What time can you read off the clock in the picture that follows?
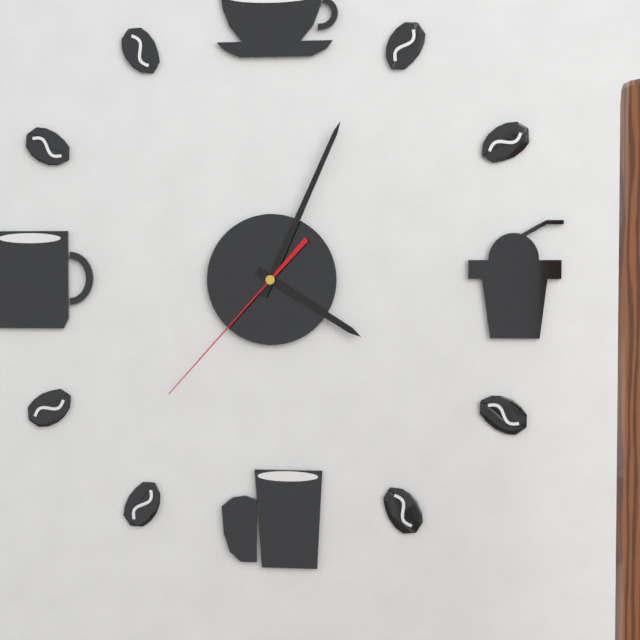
4:04:37
